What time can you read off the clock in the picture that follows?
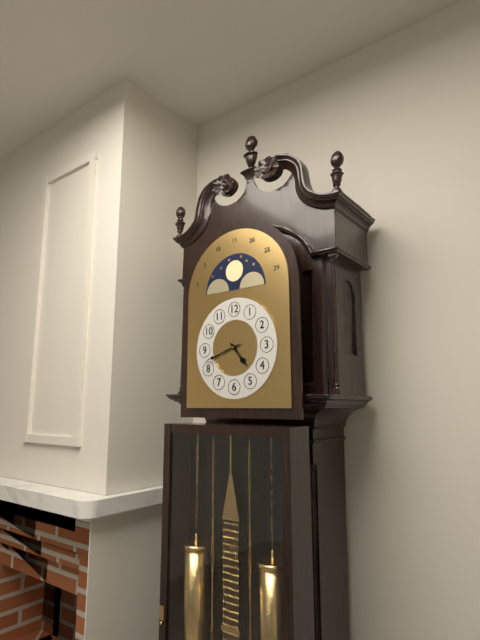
4:42
